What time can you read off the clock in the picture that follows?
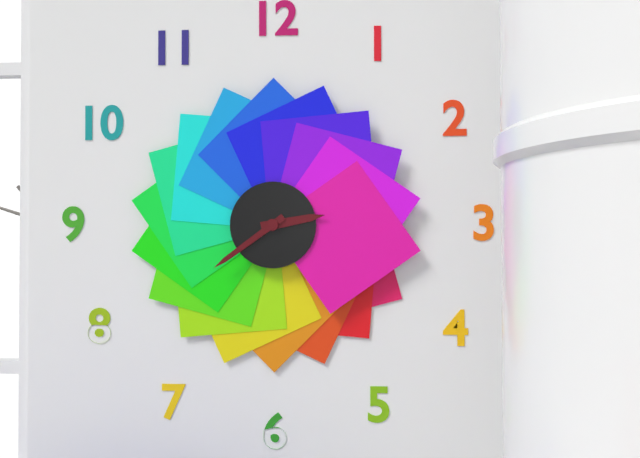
2:39
